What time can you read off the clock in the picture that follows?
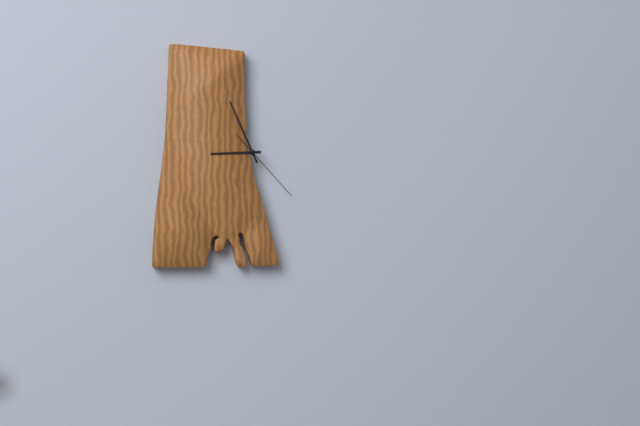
8:56:23
